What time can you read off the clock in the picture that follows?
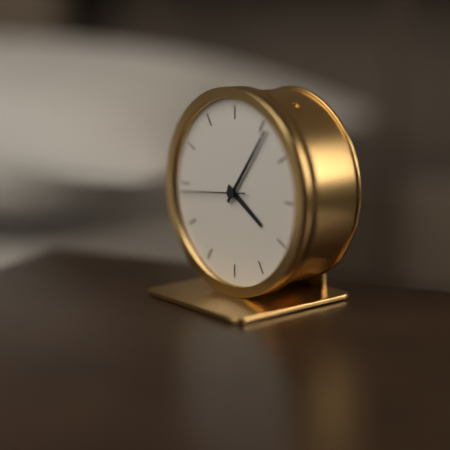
4:06:44
